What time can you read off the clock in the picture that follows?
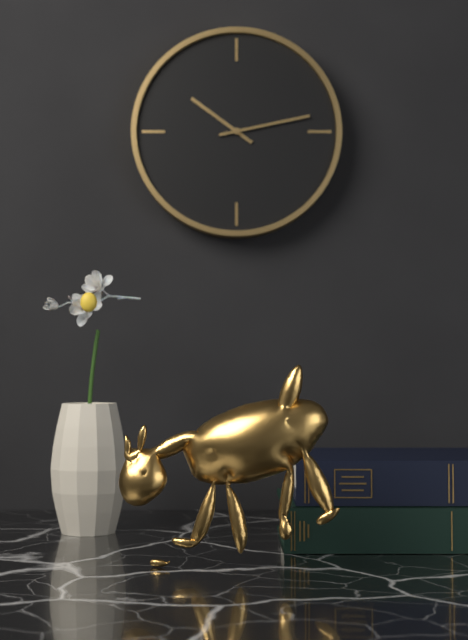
10:13
